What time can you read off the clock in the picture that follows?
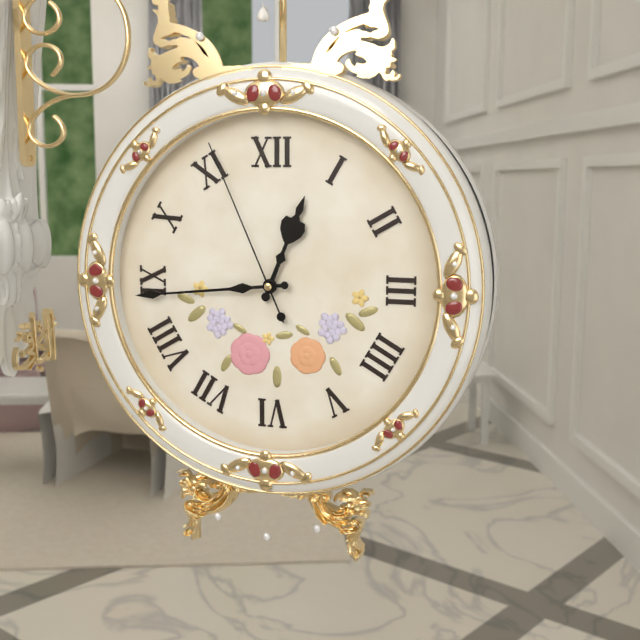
12:44:56
